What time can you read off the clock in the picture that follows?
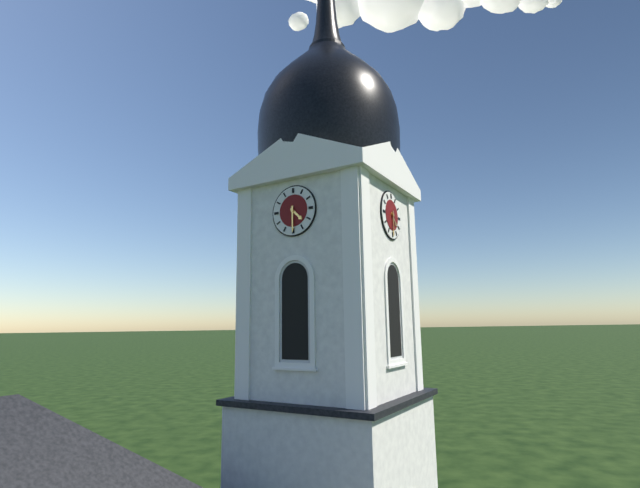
4:30
